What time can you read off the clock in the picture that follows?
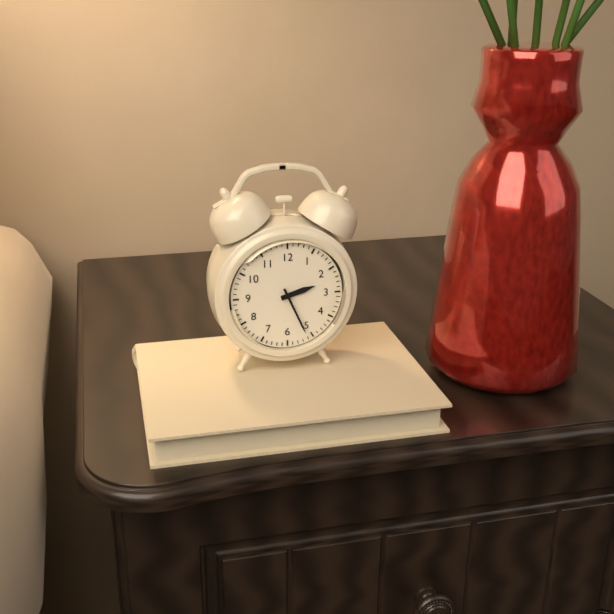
2:26
